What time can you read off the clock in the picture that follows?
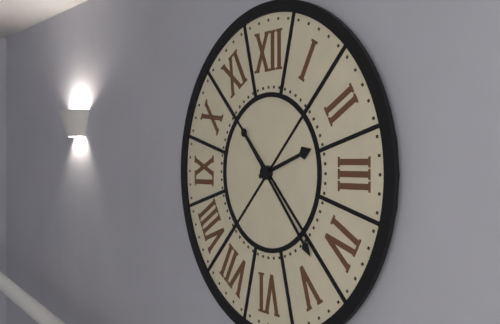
2:23
